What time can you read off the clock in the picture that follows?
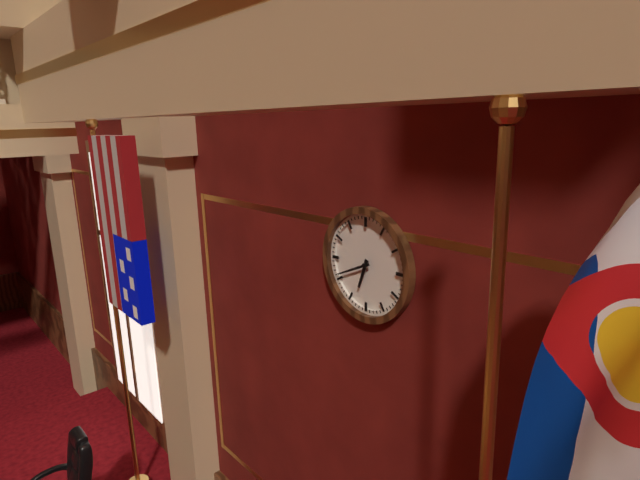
6:41
